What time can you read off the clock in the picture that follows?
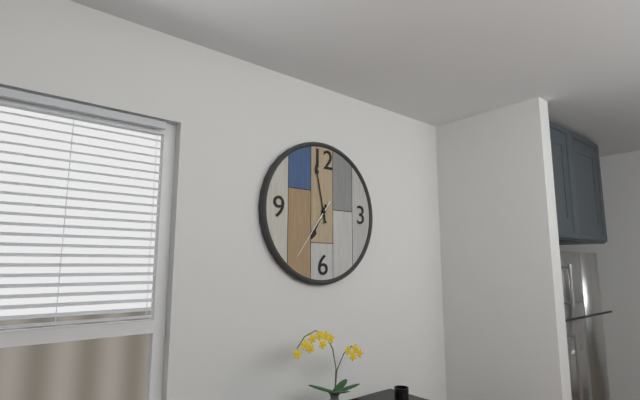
6:58:36
